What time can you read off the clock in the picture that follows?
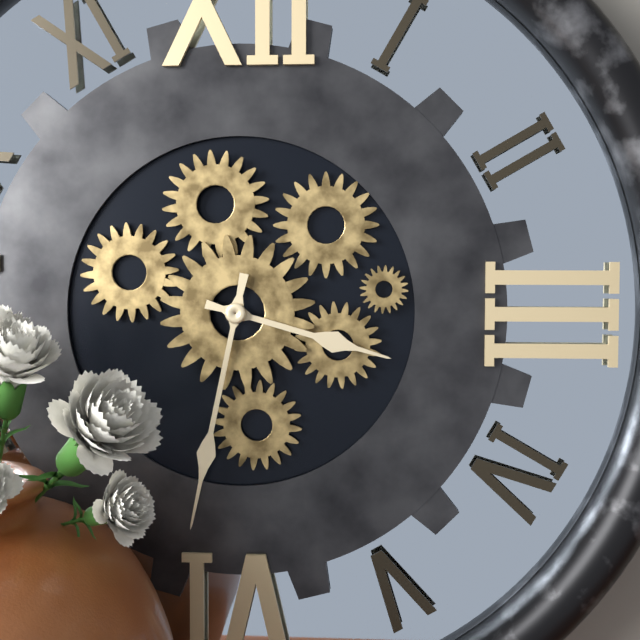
3:32
